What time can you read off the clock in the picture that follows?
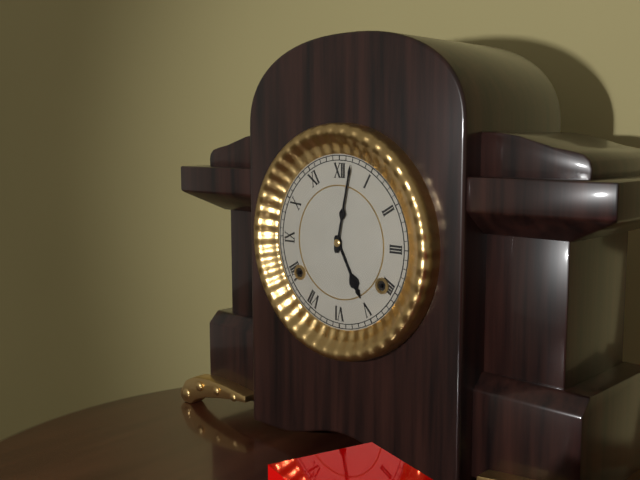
5:02
